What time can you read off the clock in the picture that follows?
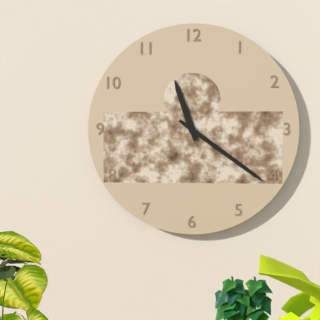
11:21
